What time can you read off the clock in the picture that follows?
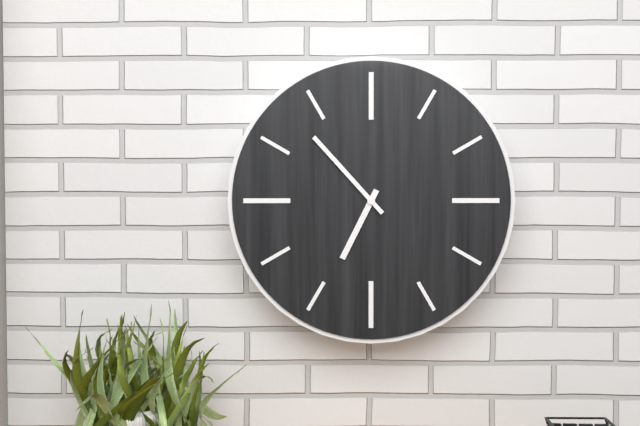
6:53
